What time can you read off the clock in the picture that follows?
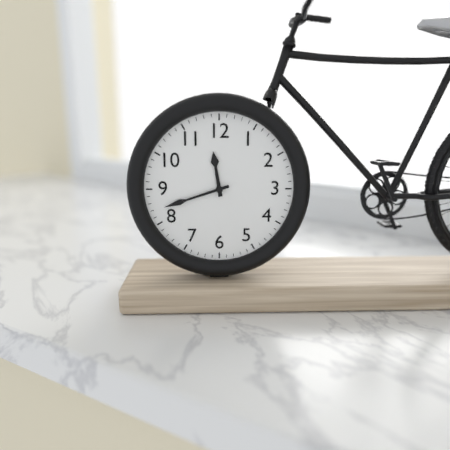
11:42
